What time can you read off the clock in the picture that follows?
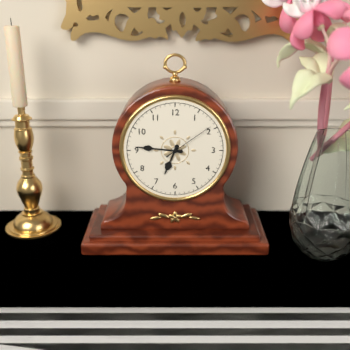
6:46:09
